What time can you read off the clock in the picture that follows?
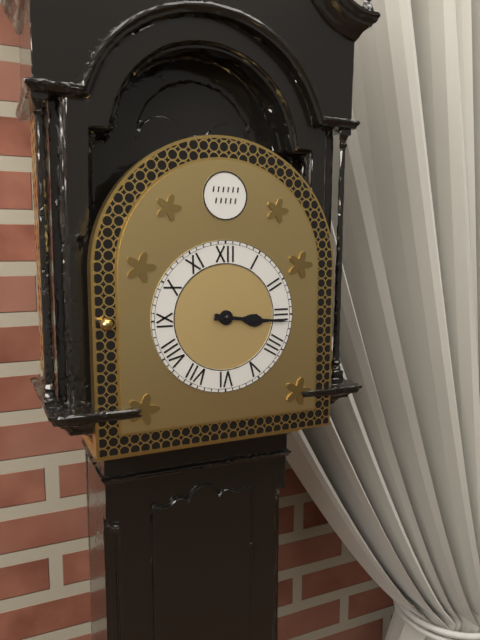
3:16
